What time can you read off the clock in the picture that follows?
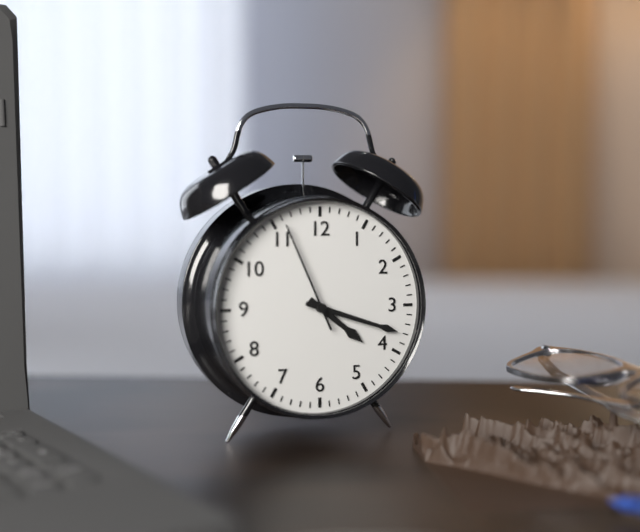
4:18:56
